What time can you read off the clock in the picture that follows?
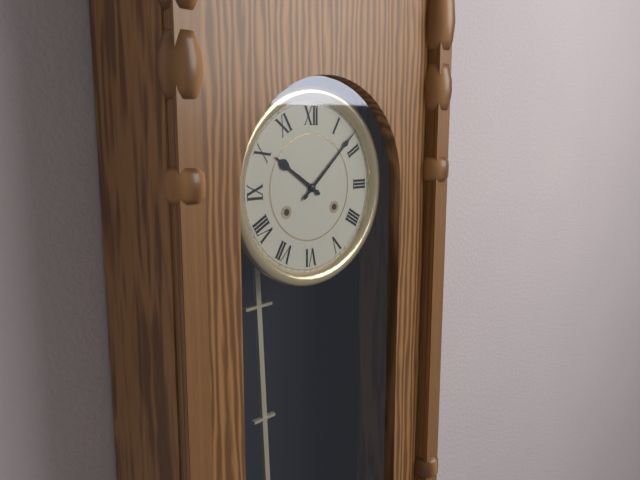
10:08
